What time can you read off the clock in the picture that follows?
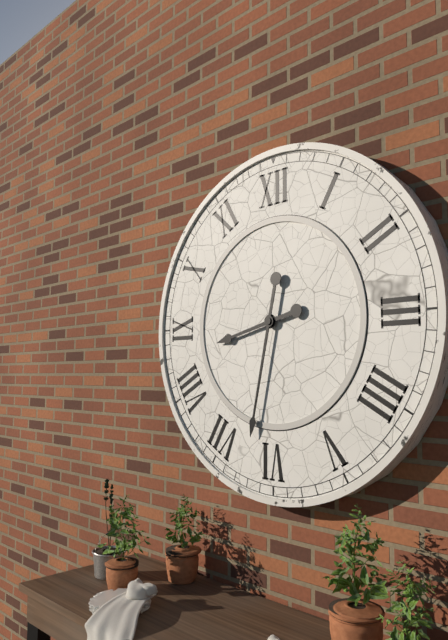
8:32
